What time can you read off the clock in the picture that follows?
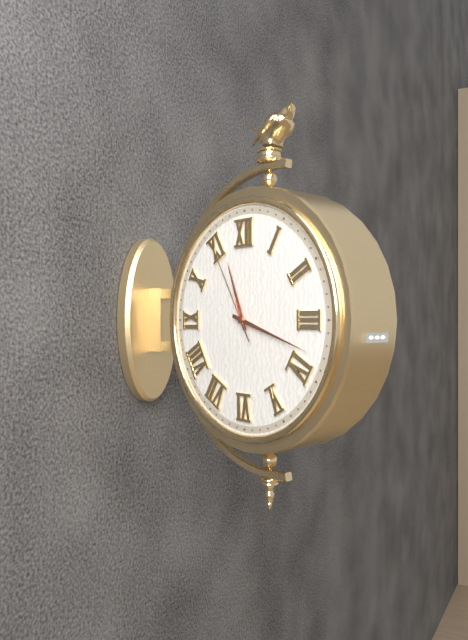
11:18:55
